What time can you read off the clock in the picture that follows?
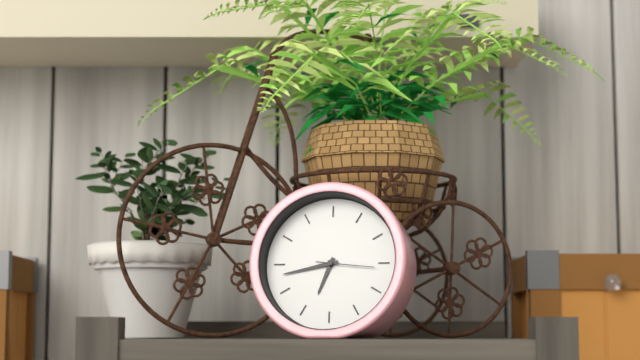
6:43:16
